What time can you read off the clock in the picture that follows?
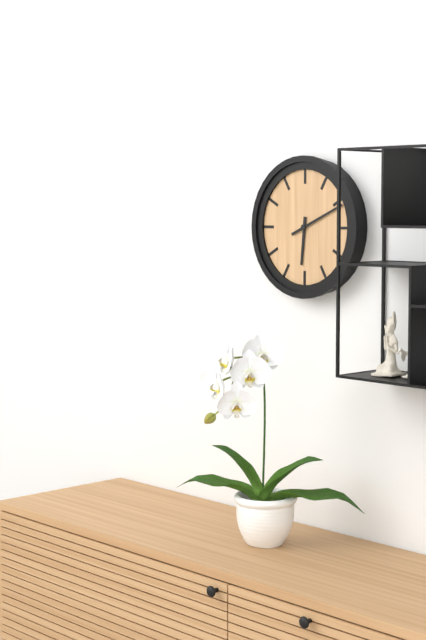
6:11
